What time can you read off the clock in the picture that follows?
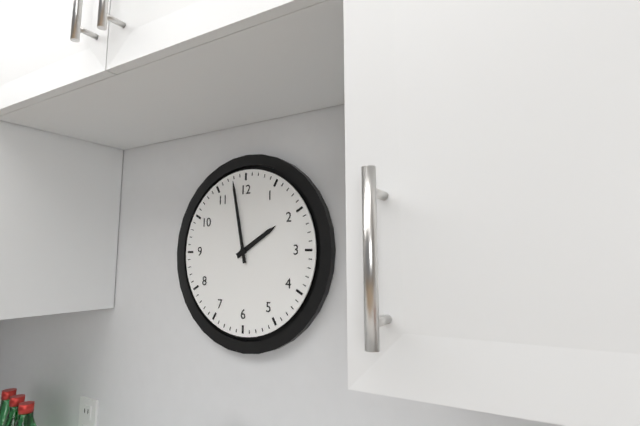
1:58
